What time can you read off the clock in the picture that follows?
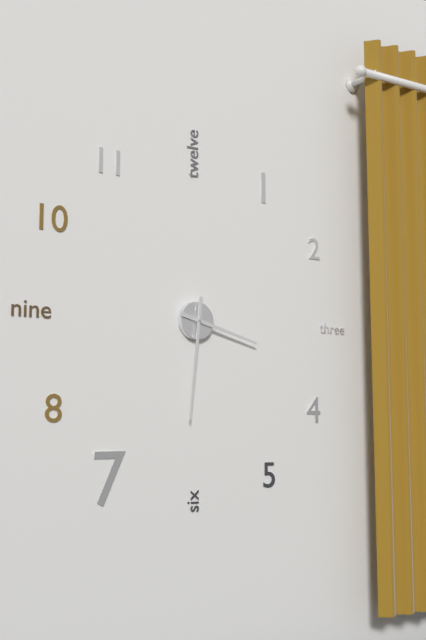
3:31
